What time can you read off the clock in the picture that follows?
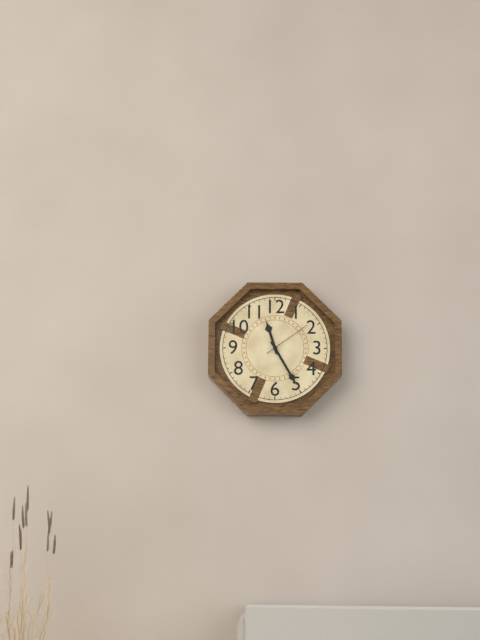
11:25:09
